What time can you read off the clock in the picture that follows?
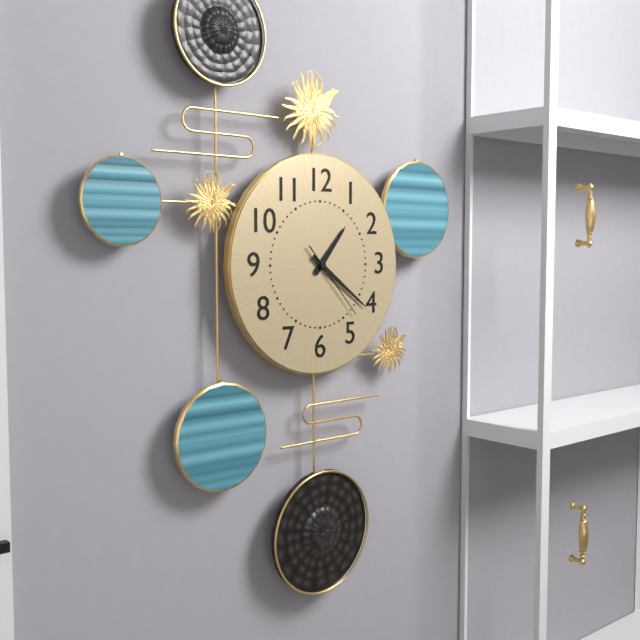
1:21:23
